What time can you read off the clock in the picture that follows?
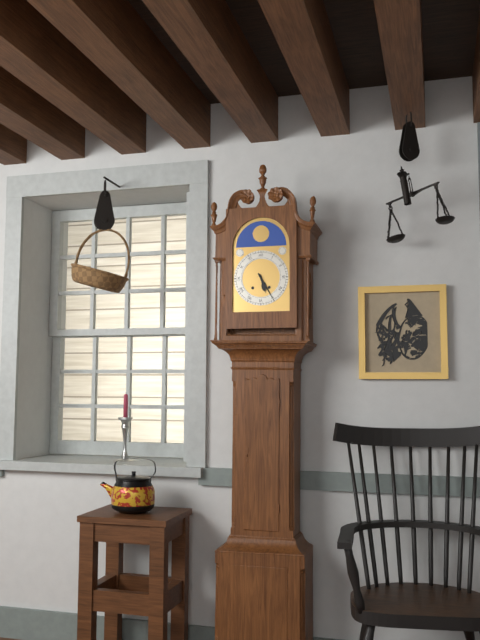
5:25
